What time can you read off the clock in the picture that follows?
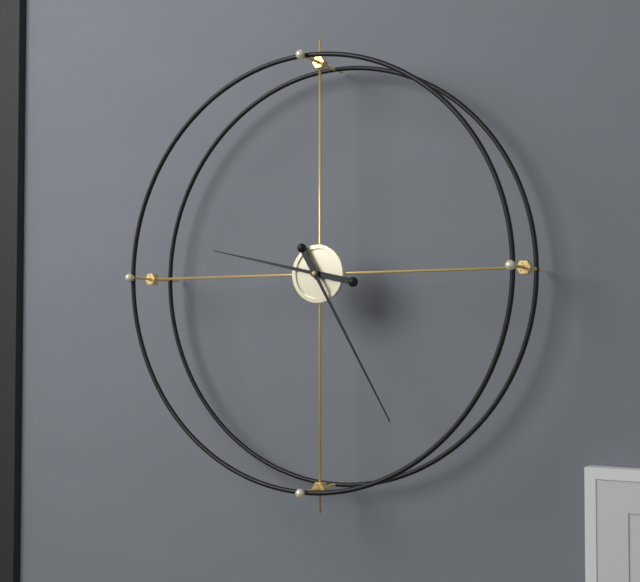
9:25
